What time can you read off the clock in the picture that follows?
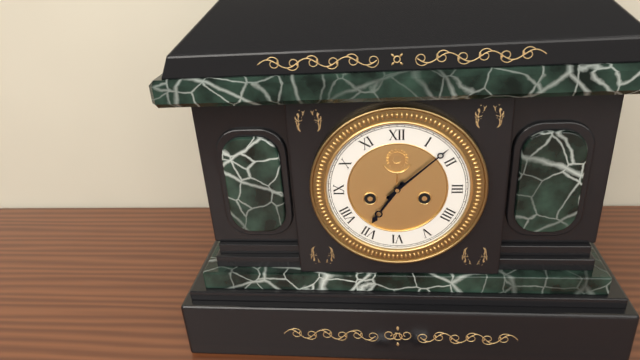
7:08
